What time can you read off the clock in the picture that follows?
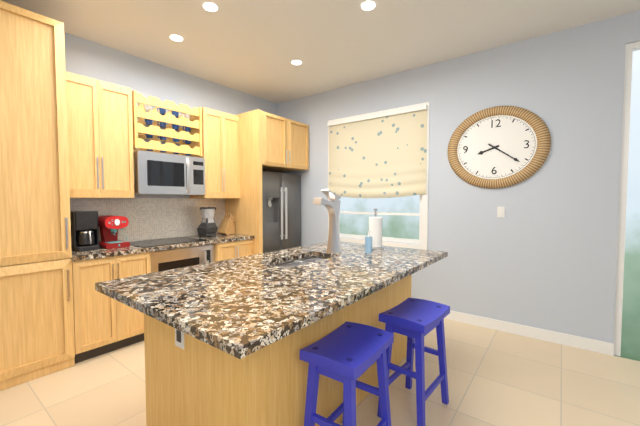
8:21
